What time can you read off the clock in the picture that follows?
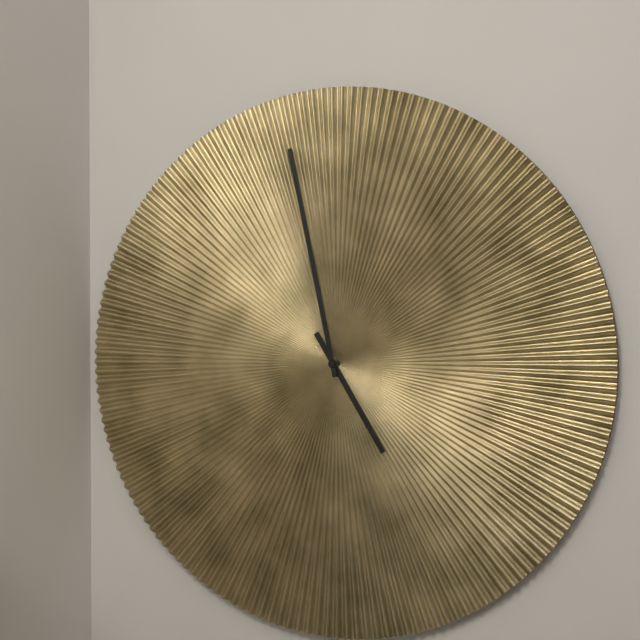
4:58
